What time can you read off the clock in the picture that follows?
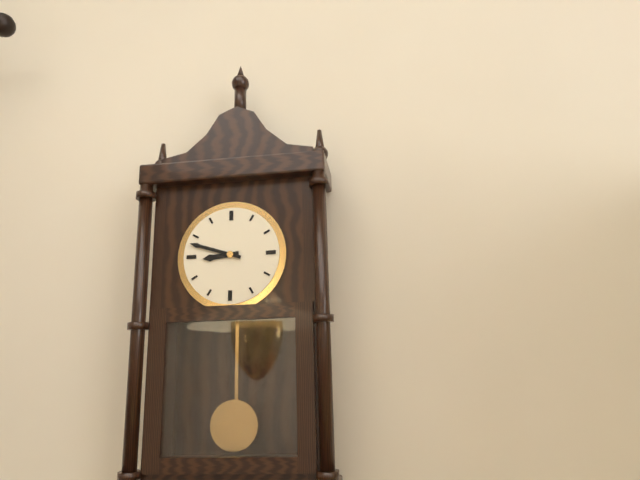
8:48
